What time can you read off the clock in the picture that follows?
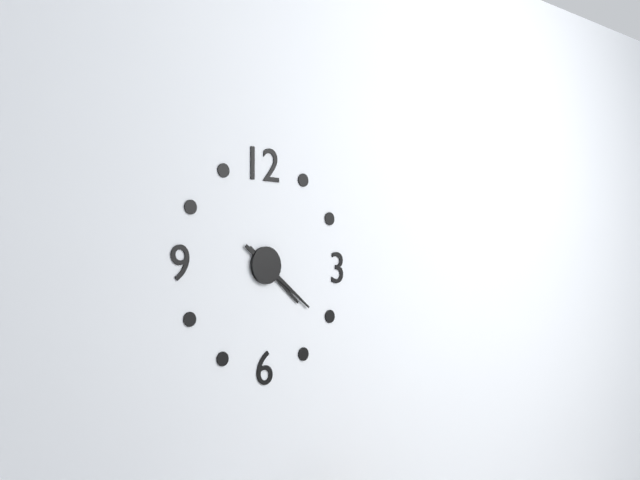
4:21
